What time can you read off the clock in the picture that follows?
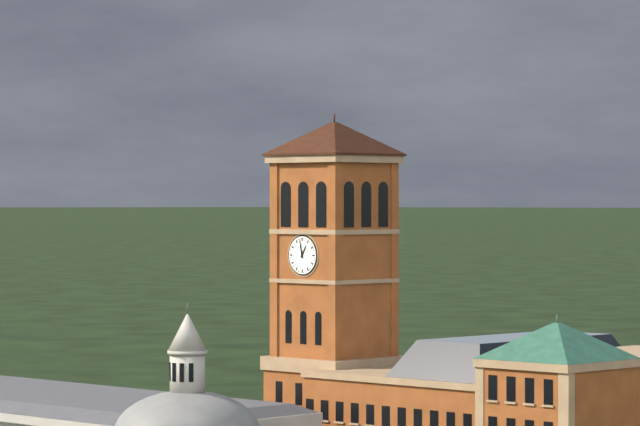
12:58
